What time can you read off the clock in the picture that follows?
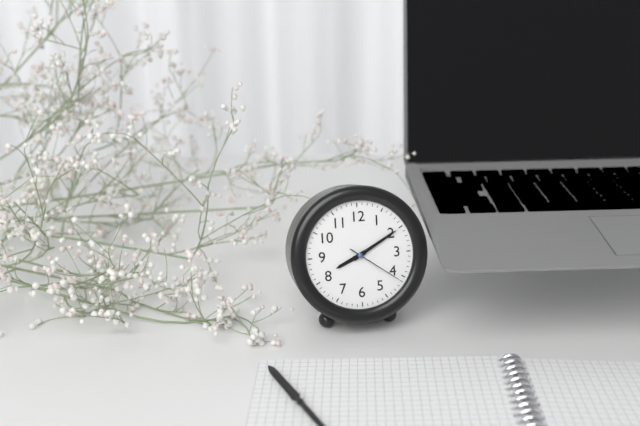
8:10:21
